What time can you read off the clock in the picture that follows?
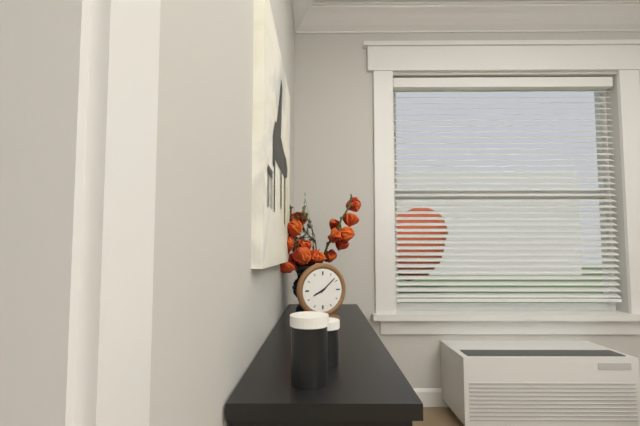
8:08
